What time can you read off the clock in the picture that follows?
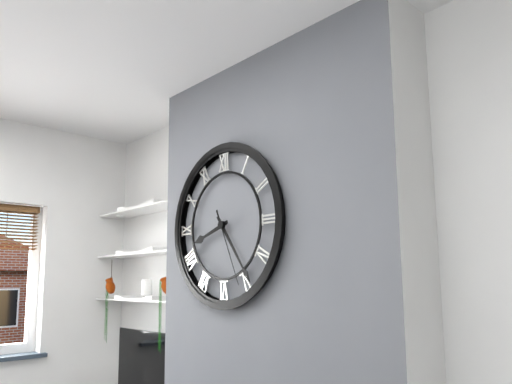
8:24:26
